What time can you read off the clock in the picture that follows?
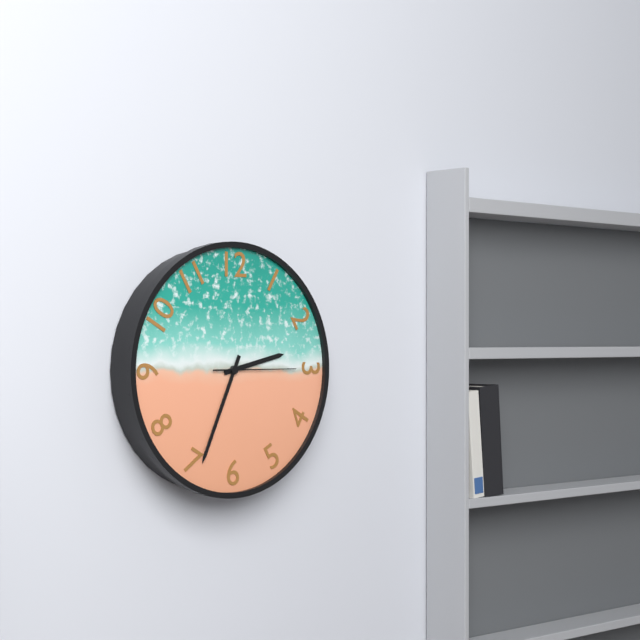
2:34:15
